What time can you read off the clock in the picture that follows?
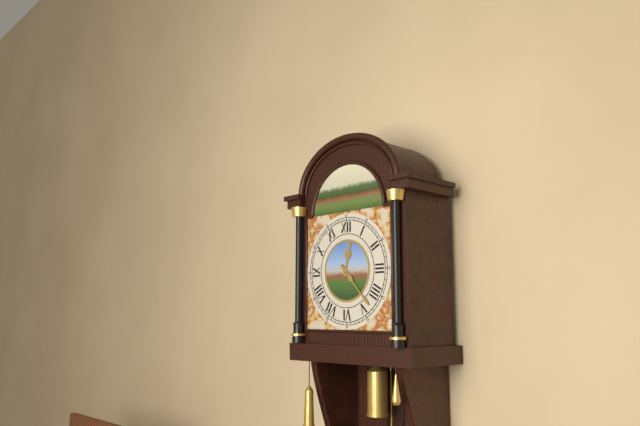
12:23
